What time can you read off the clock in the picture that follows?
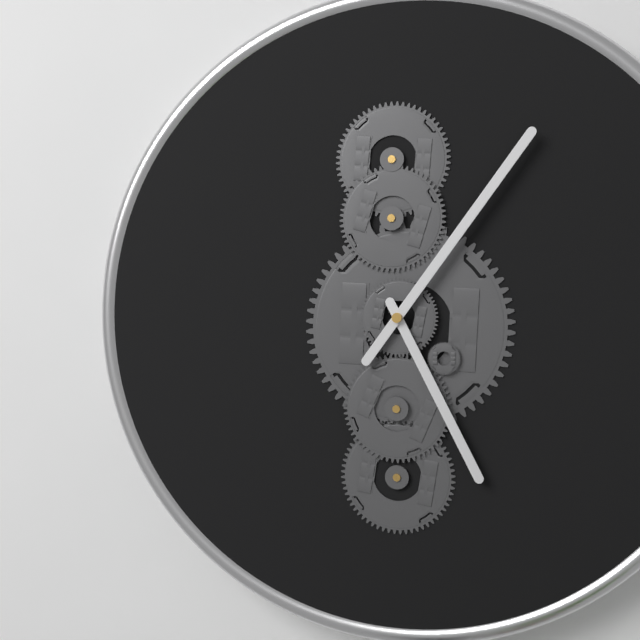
5:06
